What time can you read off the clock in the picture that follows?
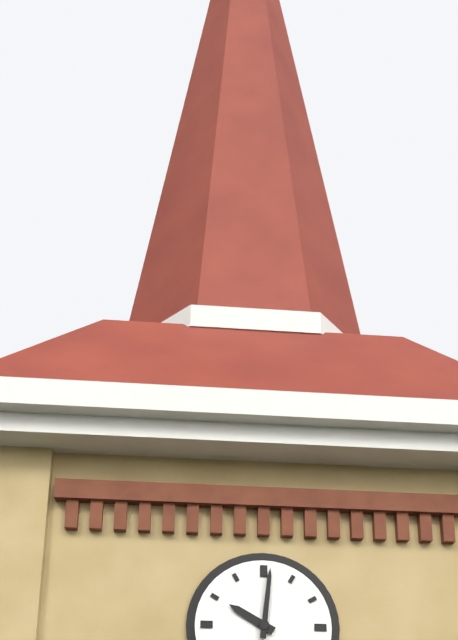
10:01
